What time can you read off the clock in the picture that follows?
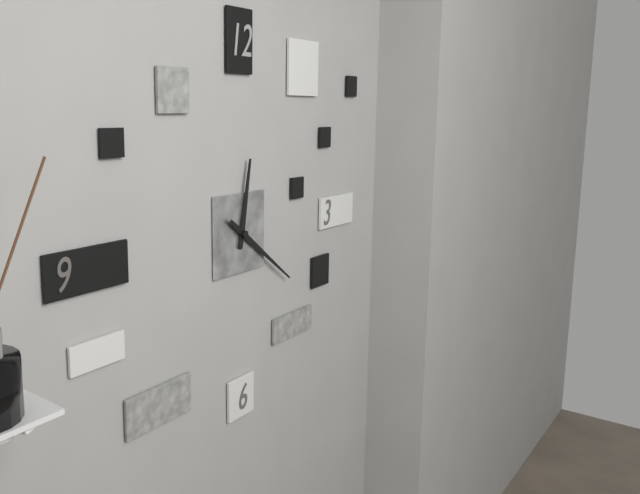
12:21
